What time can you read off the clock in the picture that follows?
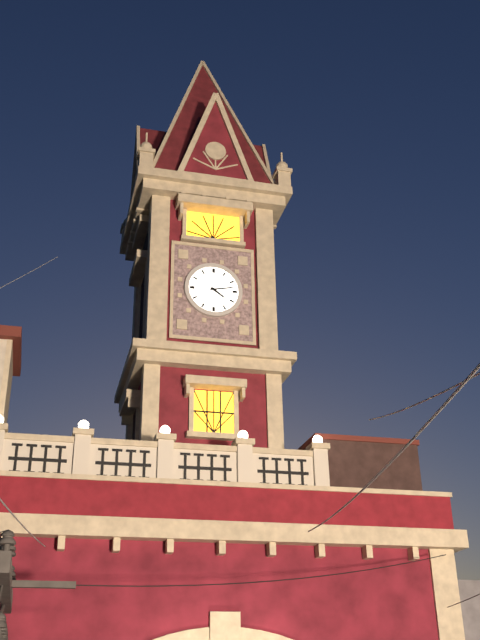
4:13
